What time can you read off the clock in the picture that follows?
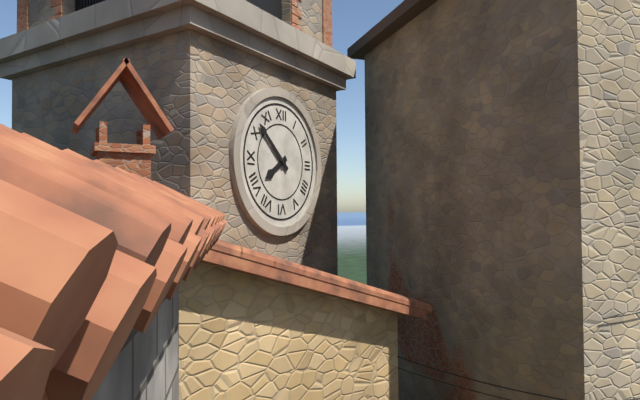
7:52
